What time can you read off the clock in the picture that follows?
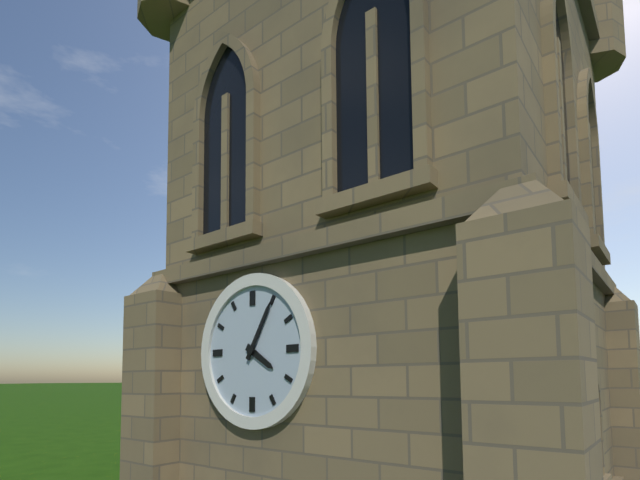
4:05
